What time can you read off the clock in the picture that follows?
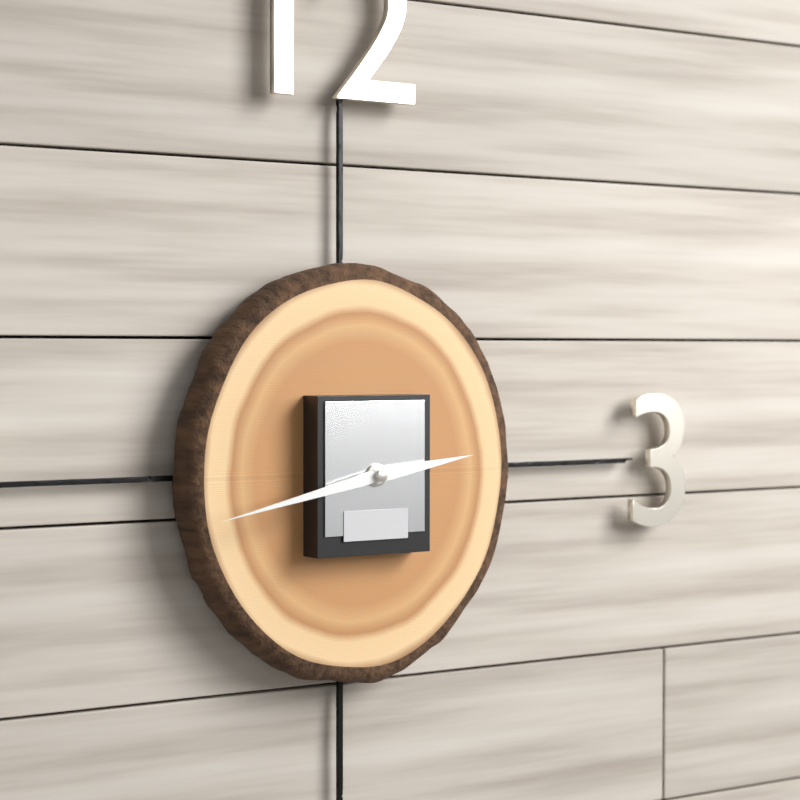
2:43
